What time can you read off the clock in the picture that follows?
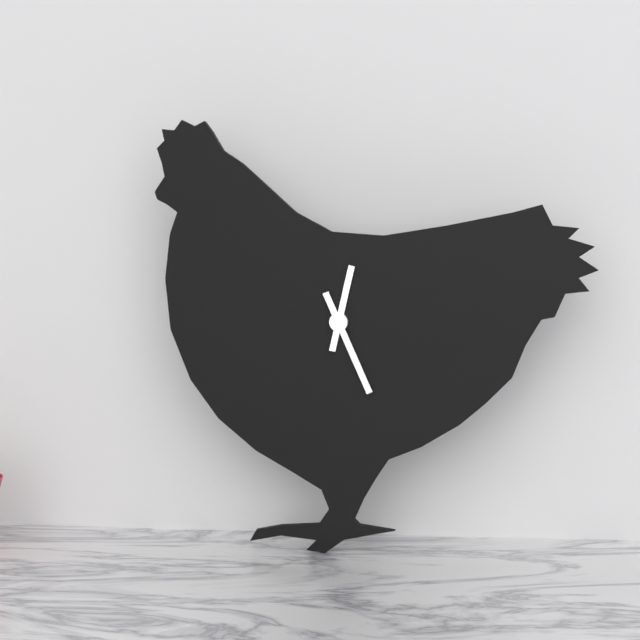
12:26
